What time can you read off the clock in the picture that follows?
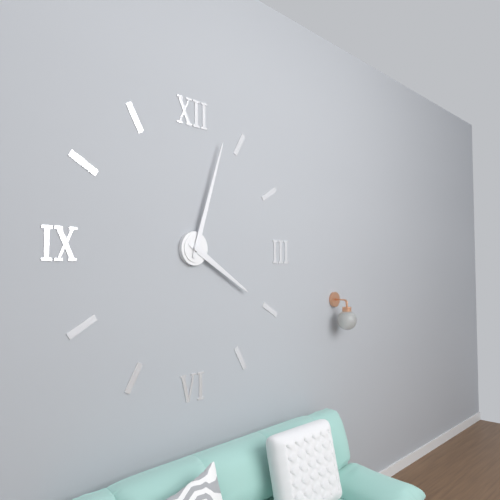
4:03
